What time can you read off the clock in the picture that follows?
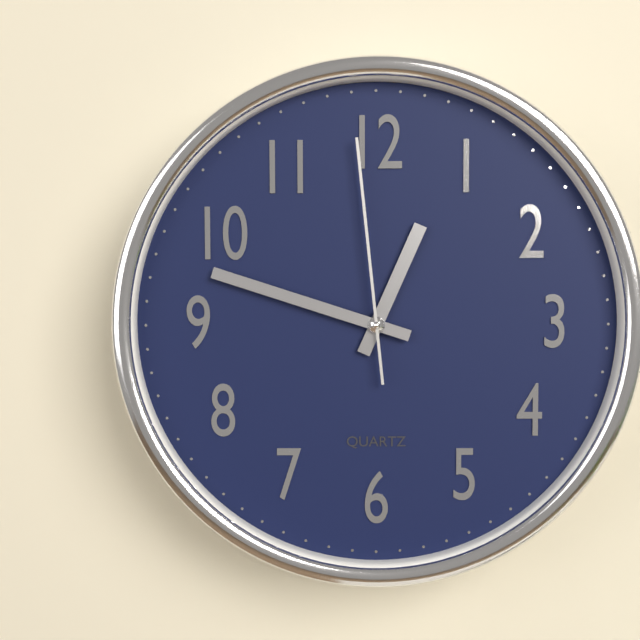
12:48:59
